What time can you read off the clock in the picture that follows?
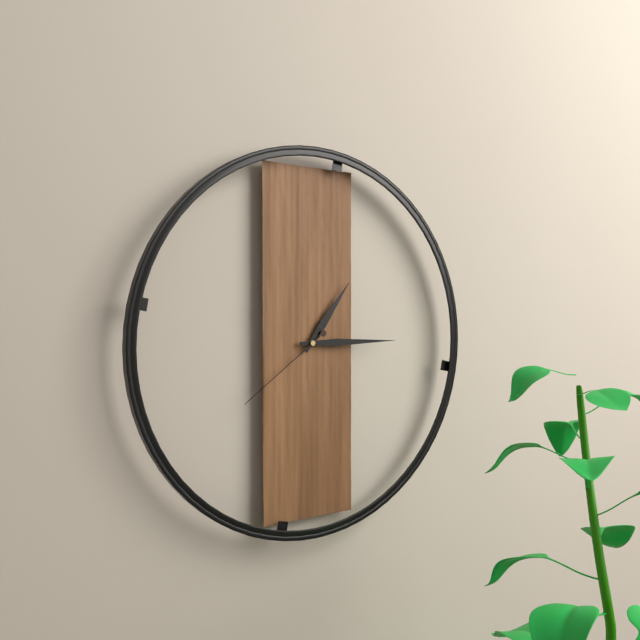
1:15:39
